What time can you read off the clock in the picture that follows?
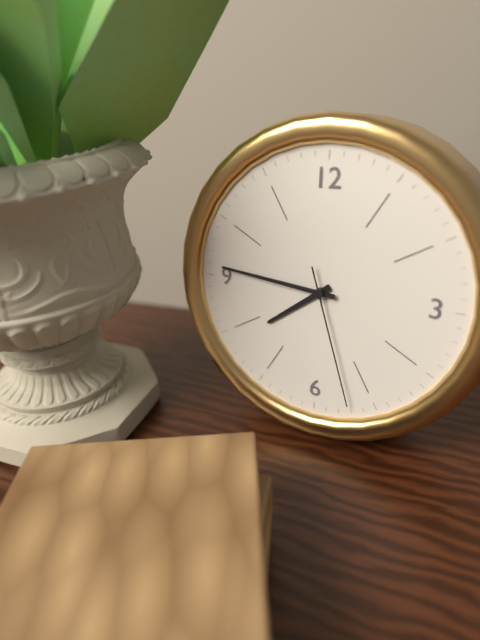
7:46:27
